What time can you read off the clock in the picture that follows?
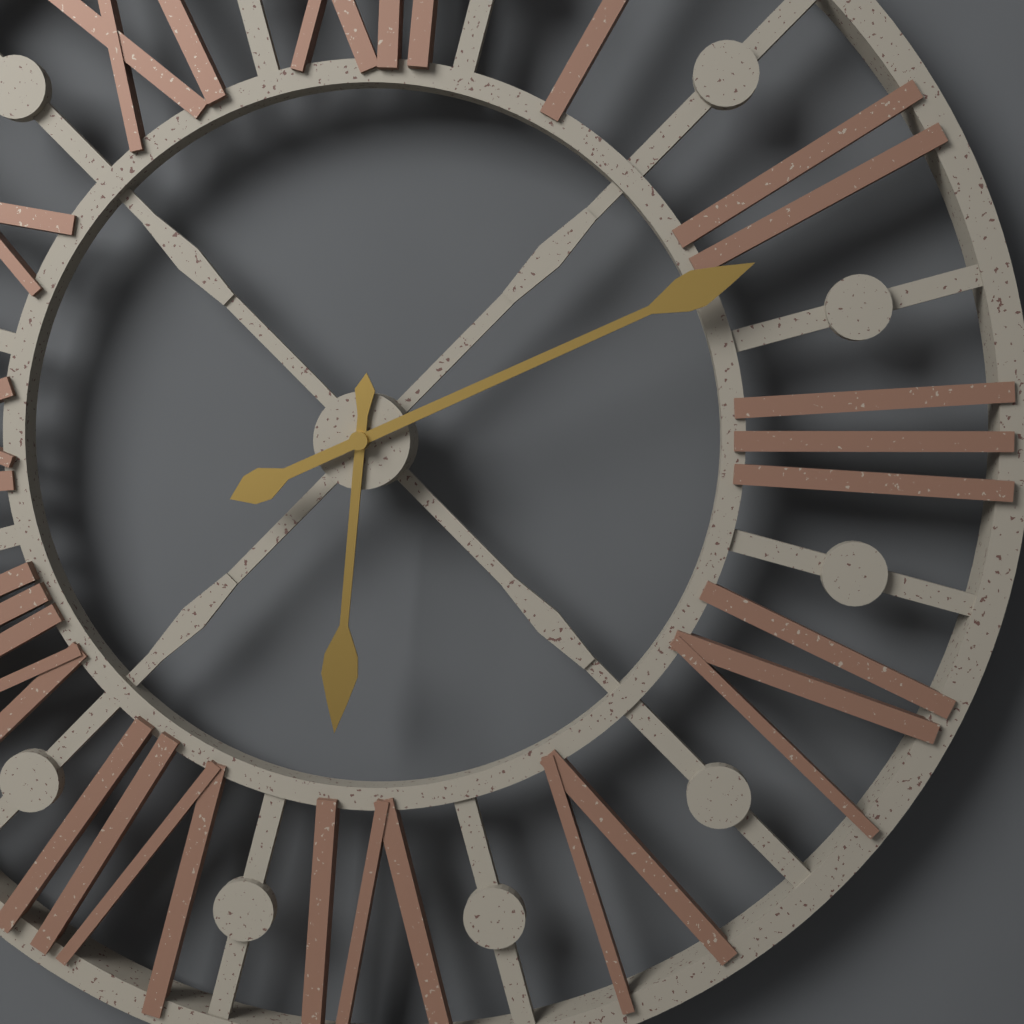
6:11
